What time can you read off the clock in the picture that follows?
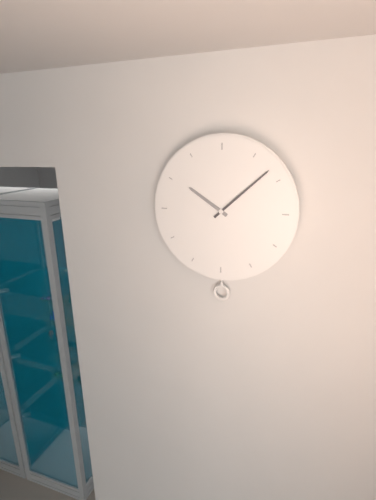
10:08
